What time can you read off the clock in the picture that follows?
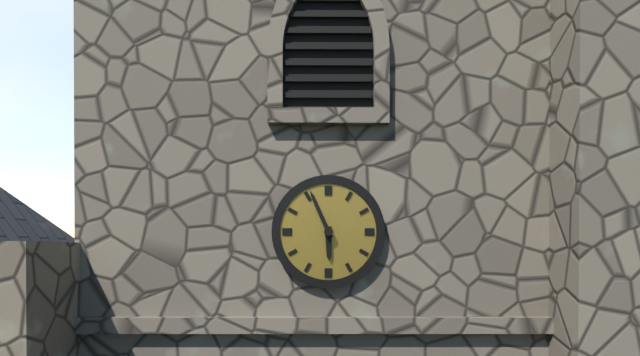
5:56
